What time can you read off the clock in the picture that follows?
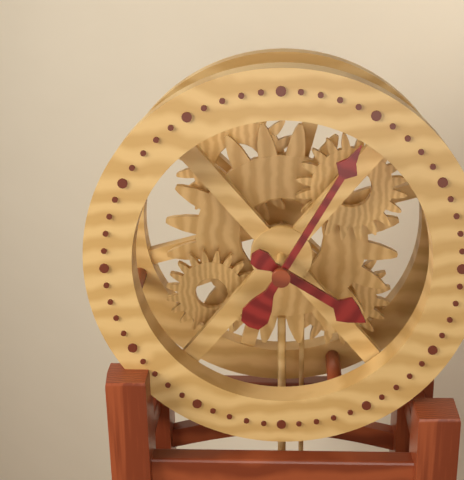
4:05
